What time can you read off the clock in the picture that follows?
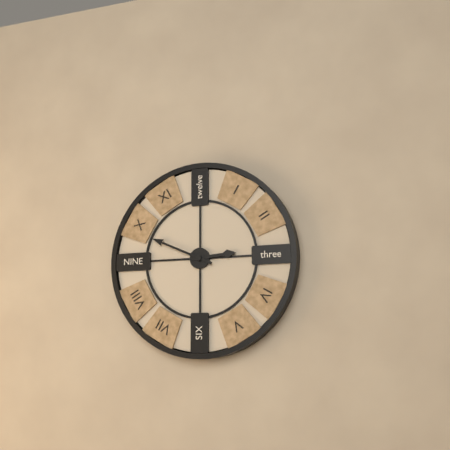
2:49
